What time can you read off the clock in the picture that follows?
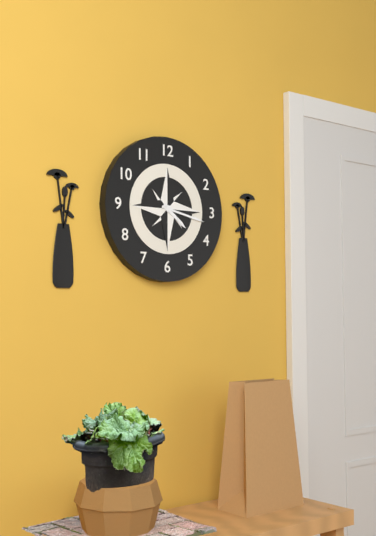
4:17
